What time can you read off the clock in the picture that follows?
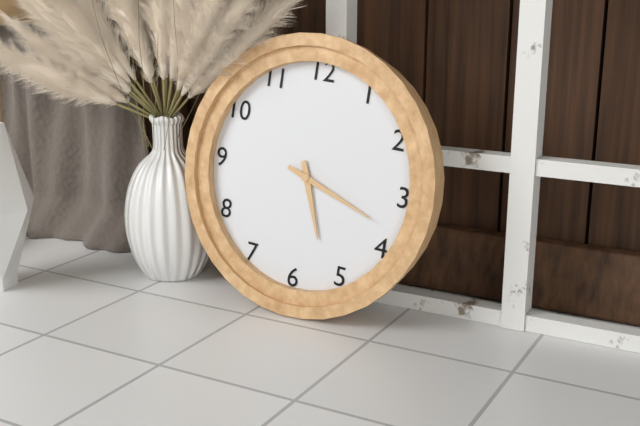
5:18
